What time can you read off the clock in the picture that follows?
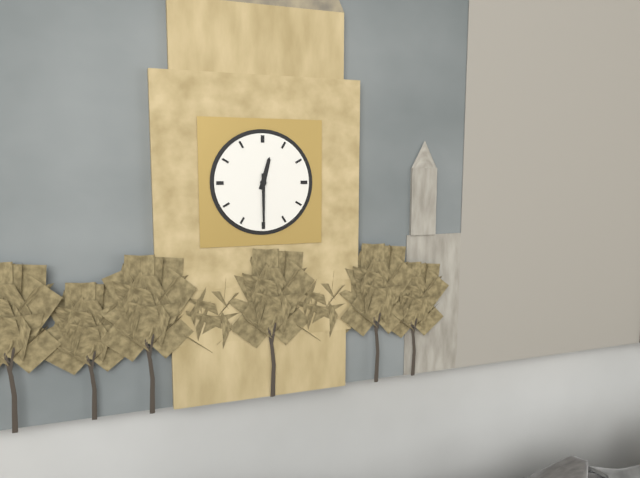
12:30
